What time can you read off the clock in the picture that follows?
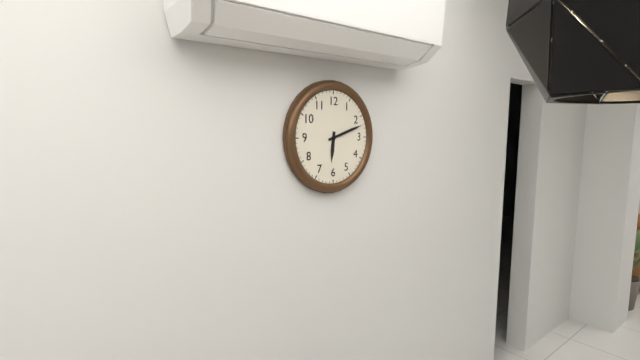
6:12
